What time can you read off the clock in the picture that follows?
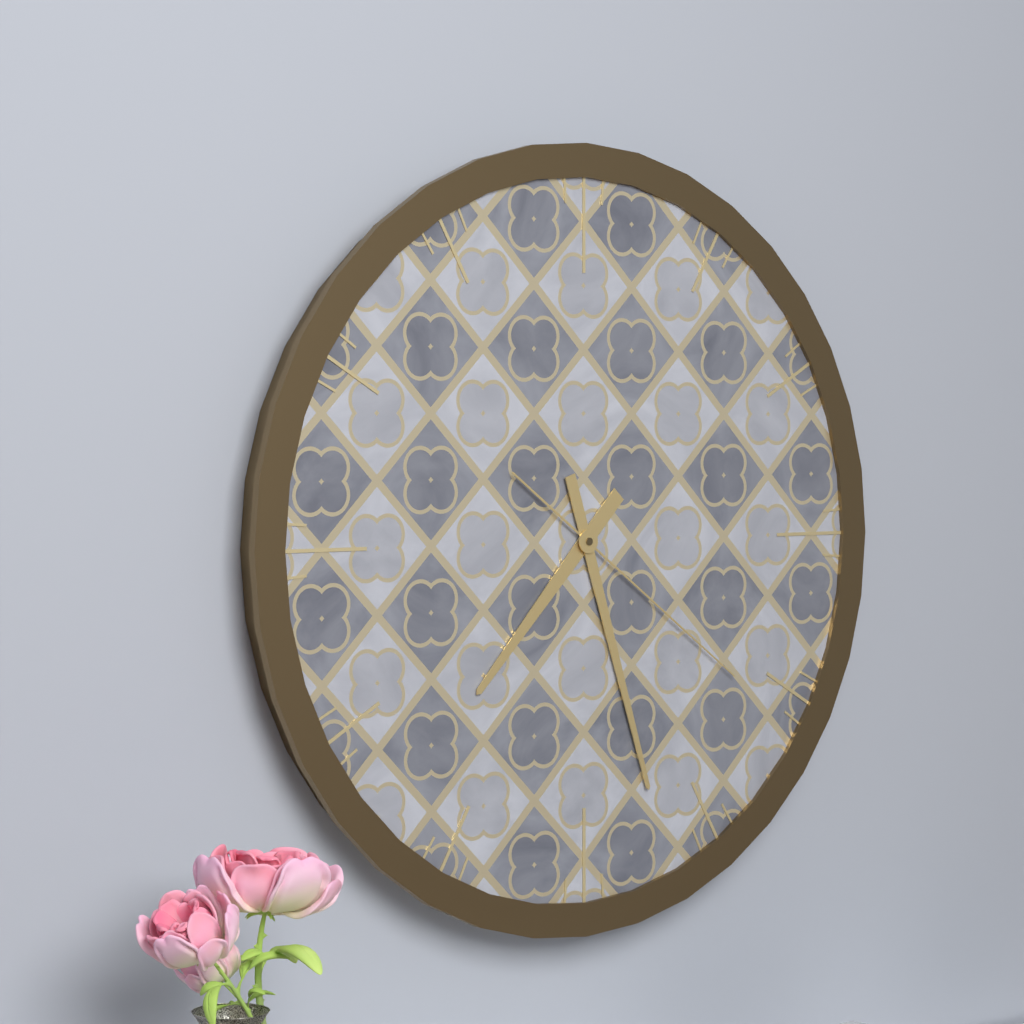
7:27:21
